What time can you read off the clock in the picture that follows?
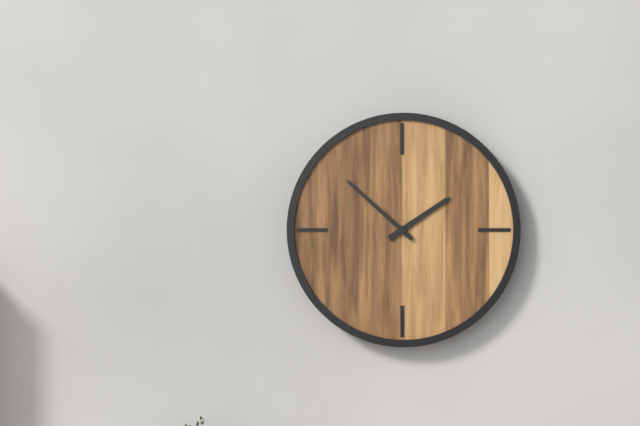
1:52
